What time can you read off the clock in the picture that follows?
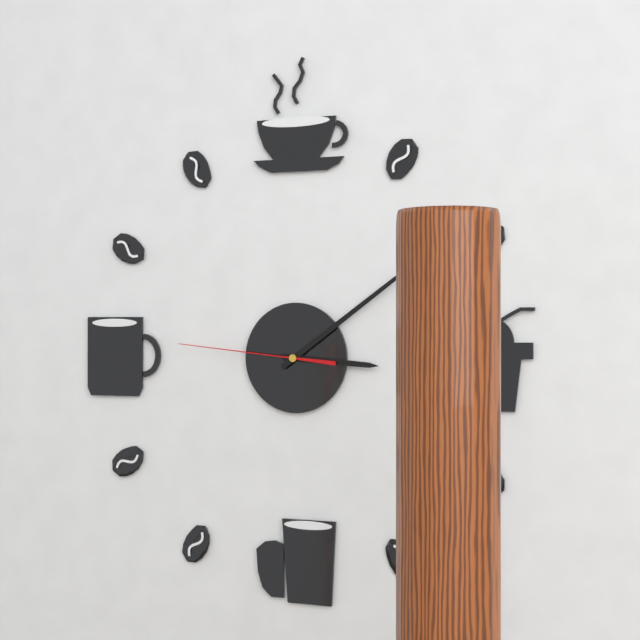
3:09:46
